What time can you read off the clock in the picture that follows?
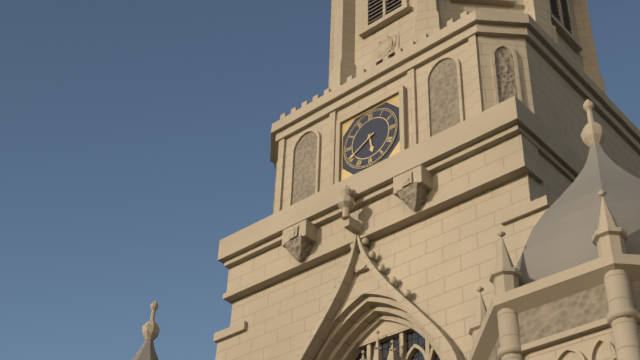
5:40
